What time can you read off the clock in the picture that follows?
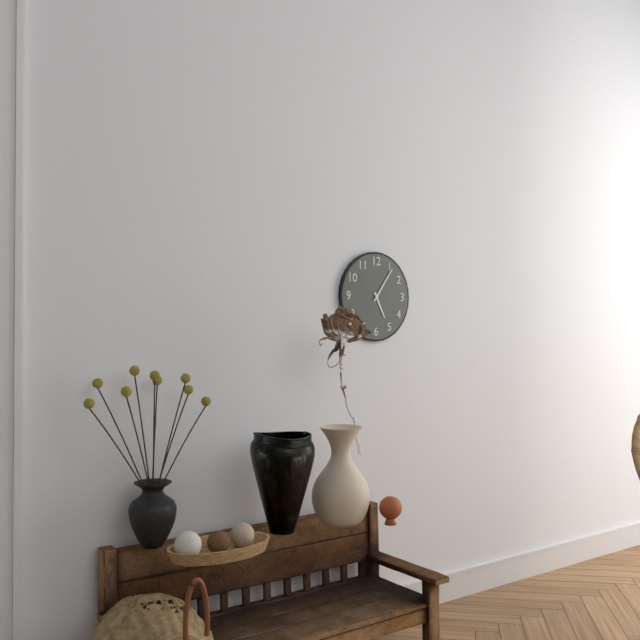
5:06
